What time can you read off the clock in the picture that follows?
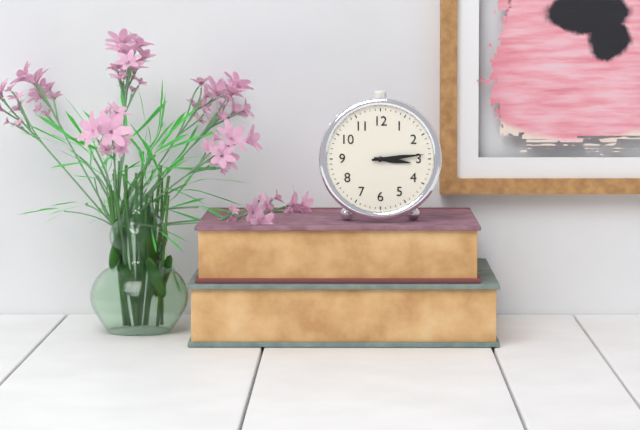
3:14
